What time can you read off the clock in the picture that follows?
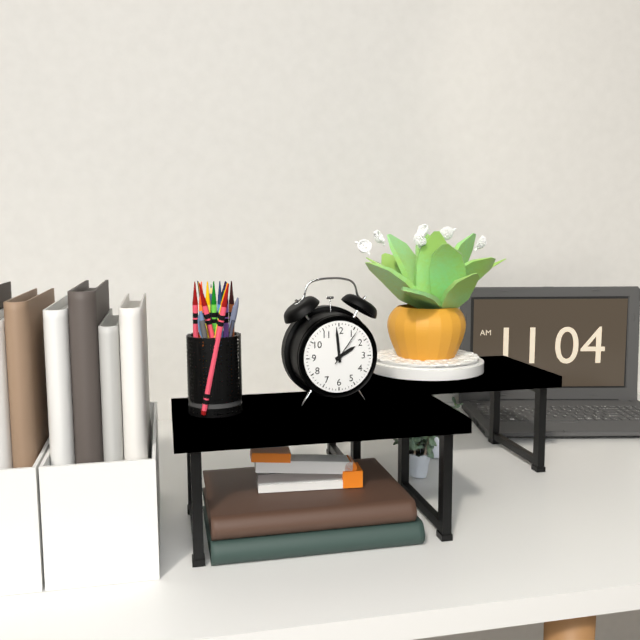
1:59
